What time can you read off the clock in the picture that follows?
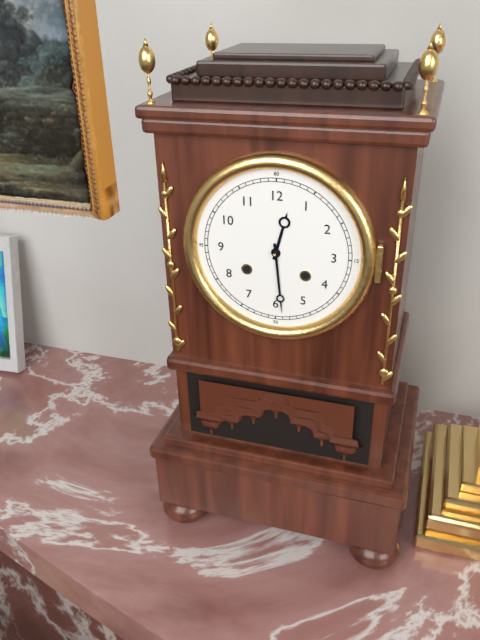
12:29
